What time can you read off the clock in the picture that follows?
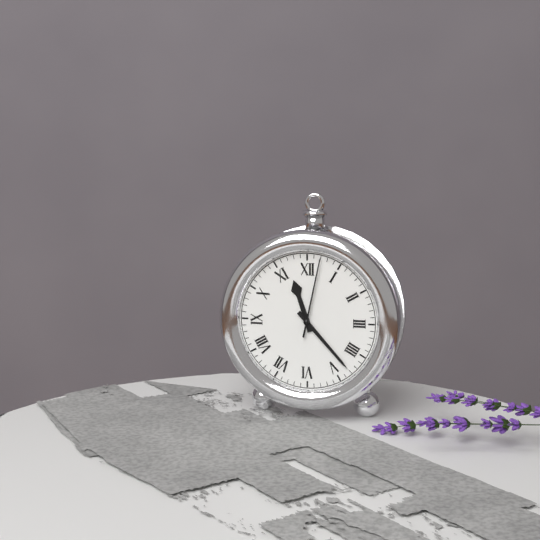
11:23:02
